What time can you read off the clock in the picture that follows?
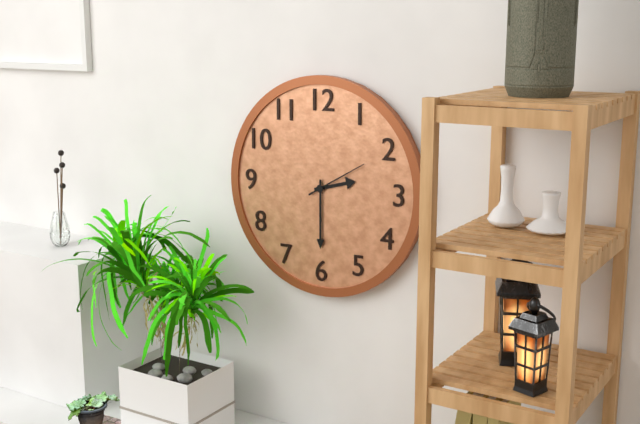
2:30:10
